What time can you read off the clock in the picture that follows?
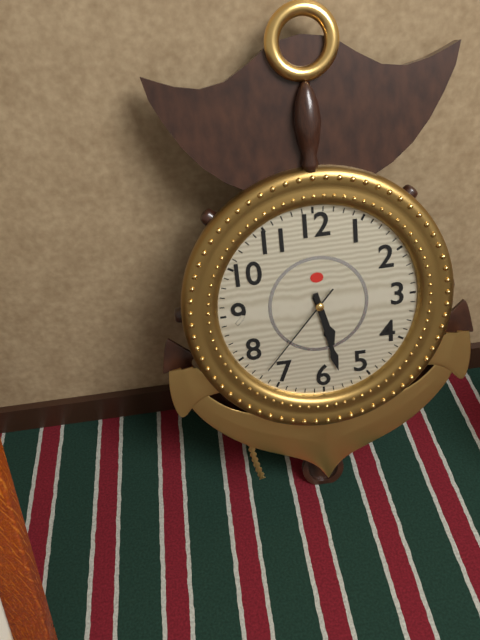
5:28:37
